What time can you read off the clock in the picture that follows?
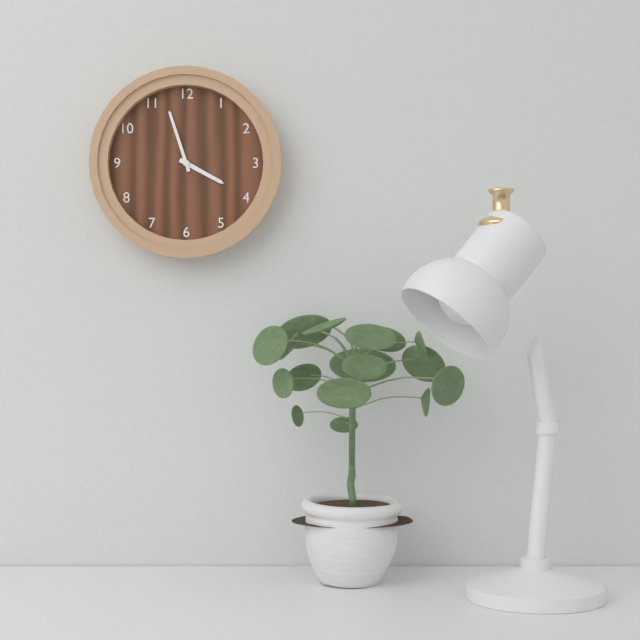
3:57
